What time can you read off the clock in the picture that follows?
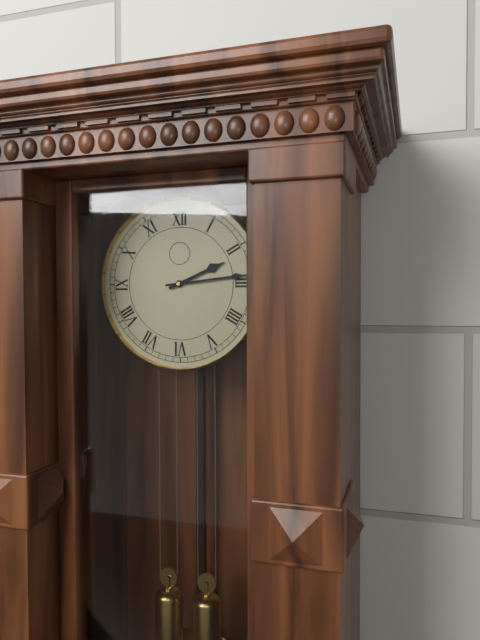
2:14
